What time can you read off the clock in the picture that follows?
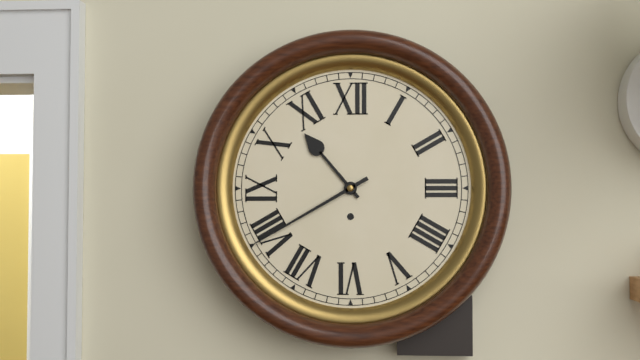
10:40
